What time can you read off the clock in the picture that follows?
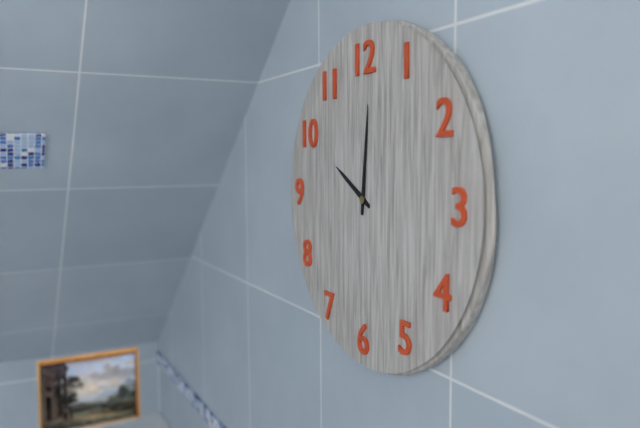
10:01
